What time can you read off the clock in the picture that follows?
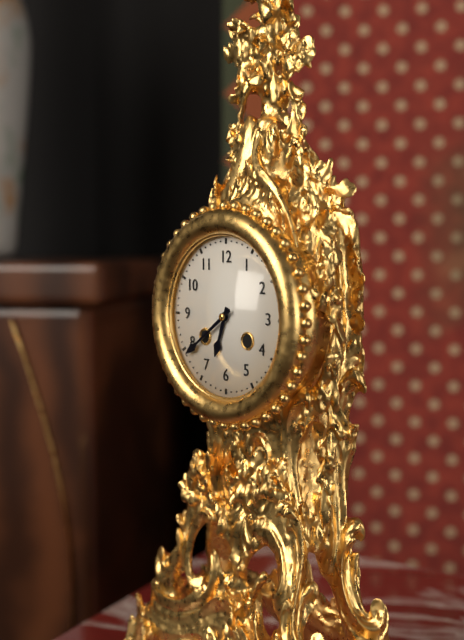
6:39
